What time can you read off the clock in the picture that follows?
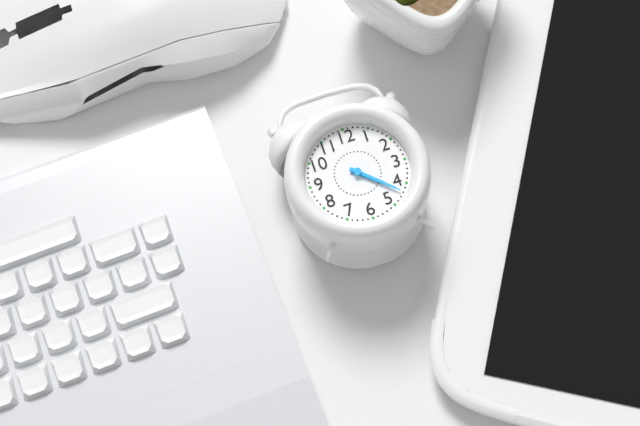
4:22
